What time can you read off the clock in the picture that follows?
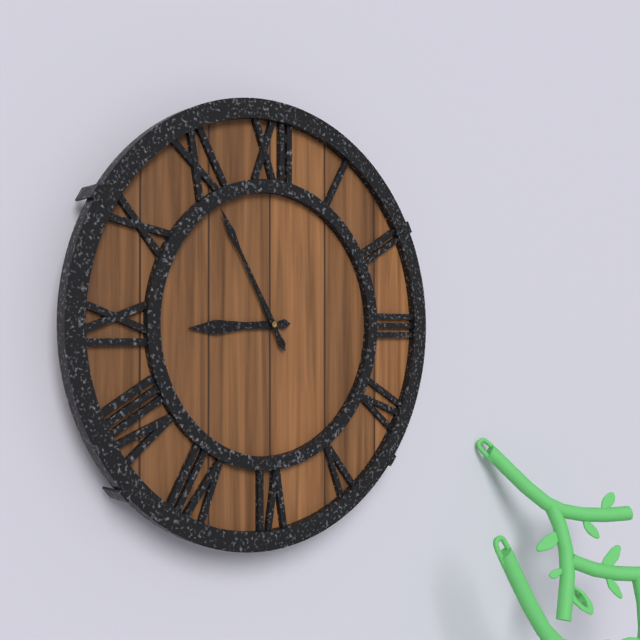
8:55
